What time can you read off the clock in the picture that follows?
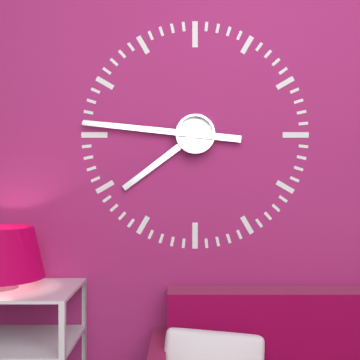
7:46
